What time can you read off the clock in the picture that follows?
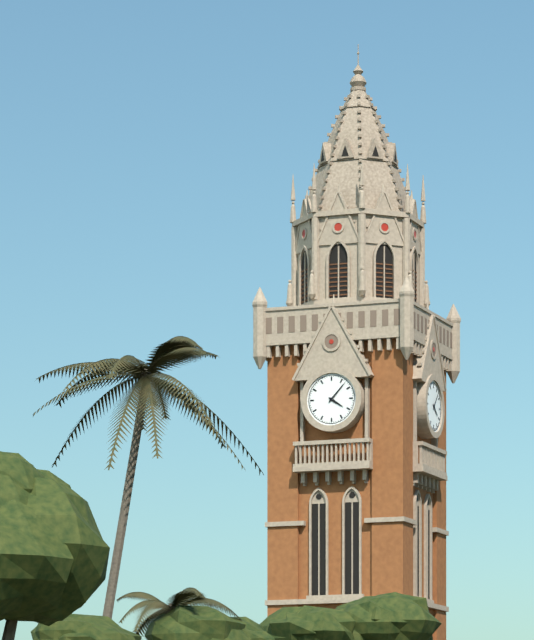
4:07
